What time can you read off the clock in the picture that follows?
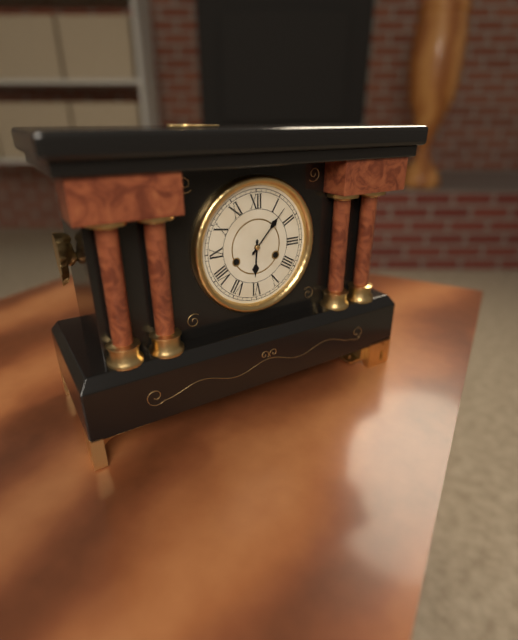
6:07
